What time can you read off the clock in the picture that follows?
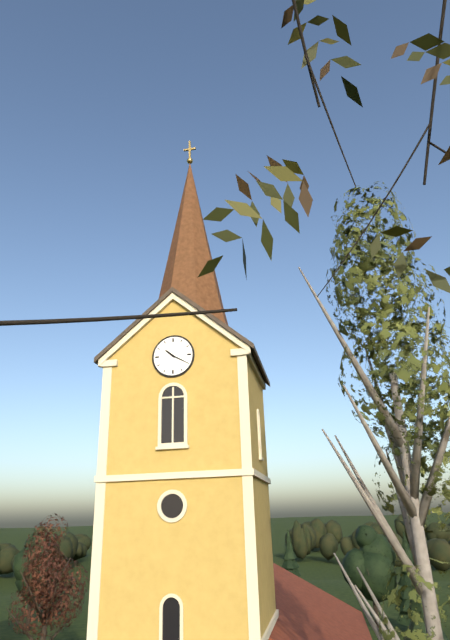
10:20
